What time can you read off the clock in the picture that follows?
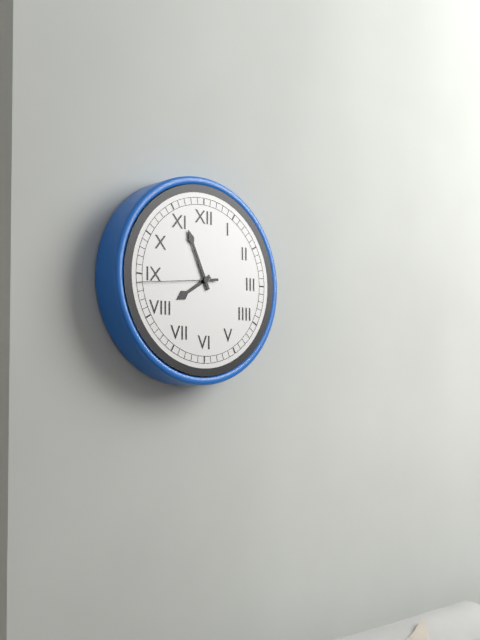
7:56:44
